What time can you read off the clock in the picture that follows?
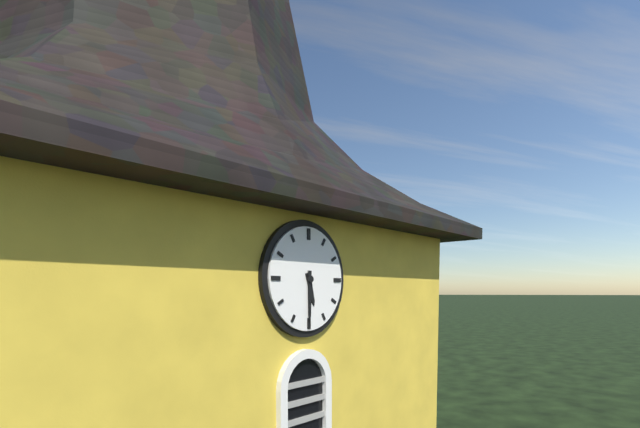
5:30
